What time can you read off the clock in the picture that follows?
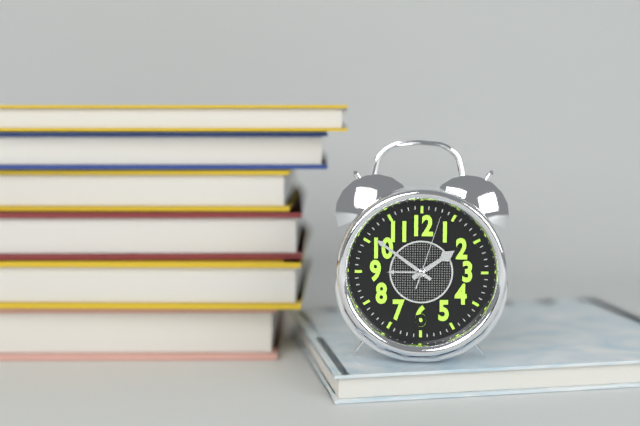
1:51:03
